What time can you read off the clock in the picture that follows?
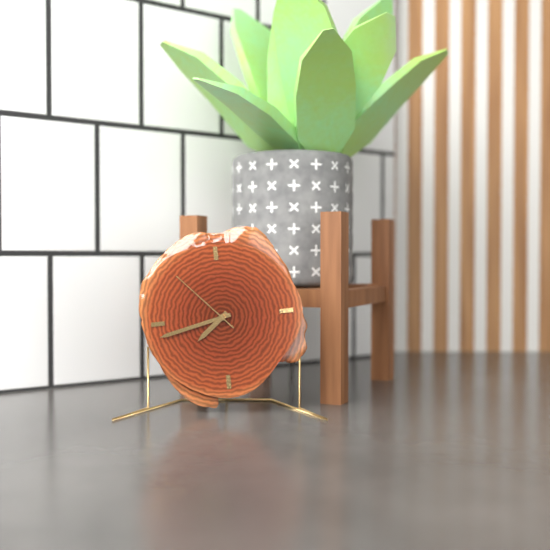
7:43:53
